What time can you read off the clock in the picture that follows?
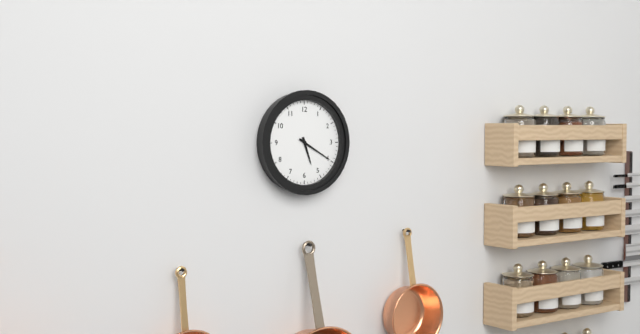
5:20
